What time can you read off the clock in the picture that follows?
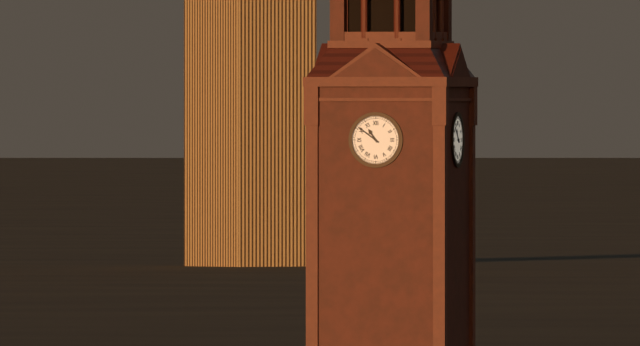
10:51
